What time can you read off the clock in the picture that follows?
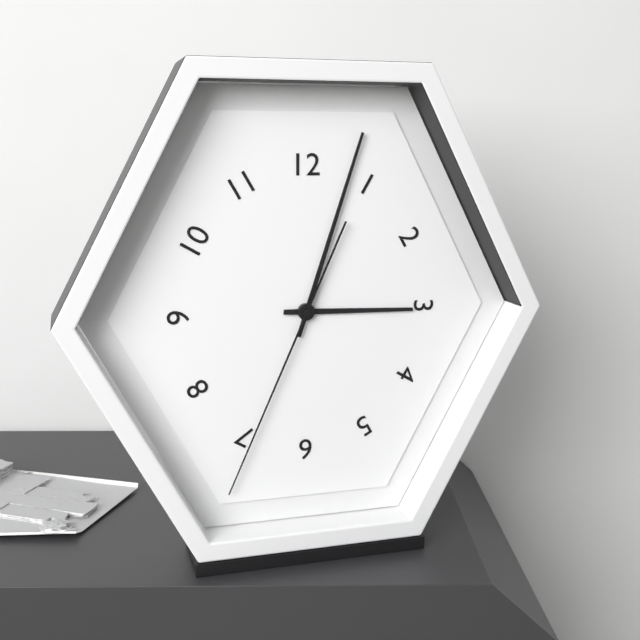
3:03:34
